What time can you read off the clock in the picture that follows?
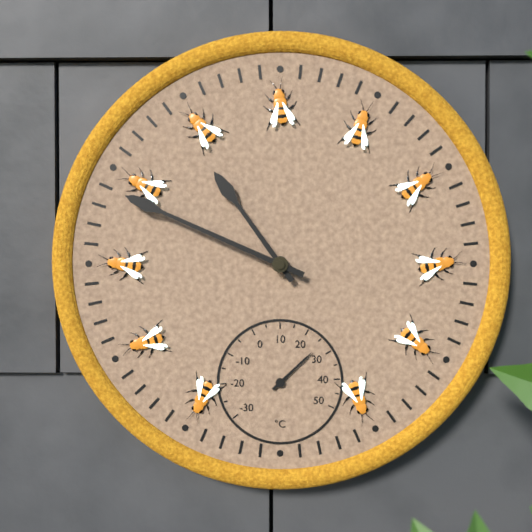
10:49
